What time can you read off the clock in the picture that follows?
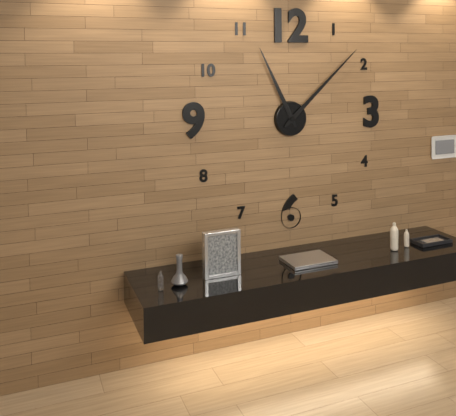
11:08
